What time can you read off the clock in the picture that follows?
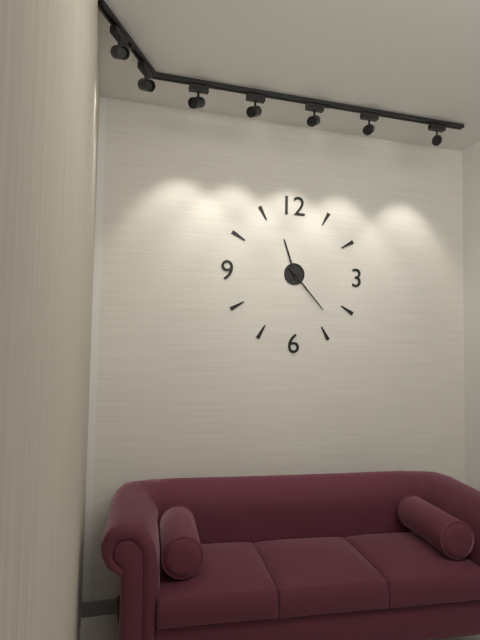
11:23
